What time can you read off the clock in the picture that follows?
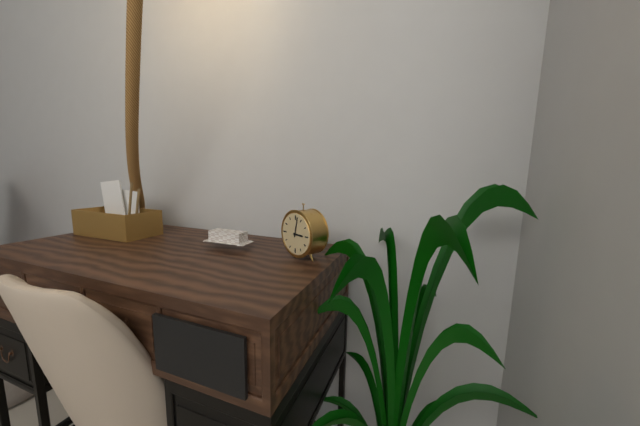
3:02
